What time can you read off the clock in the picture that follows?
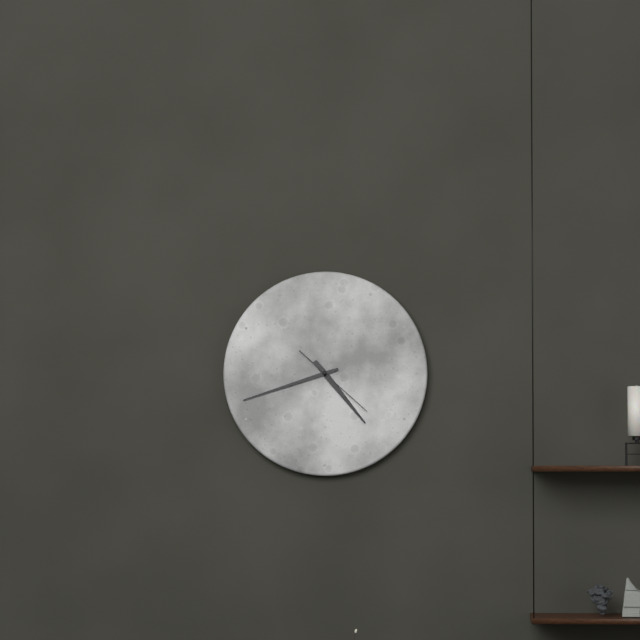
4:42:22
